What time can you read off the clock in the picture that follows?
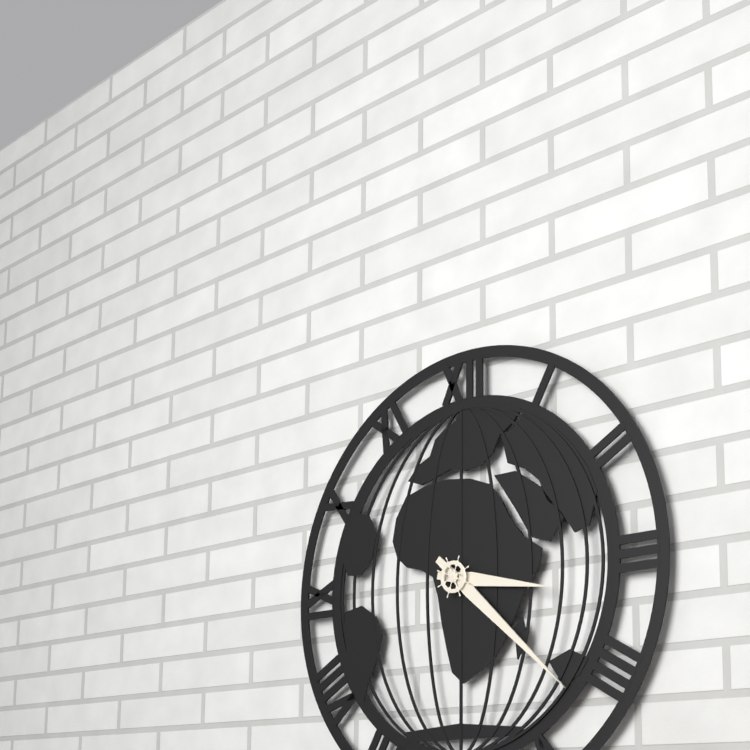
3:22
